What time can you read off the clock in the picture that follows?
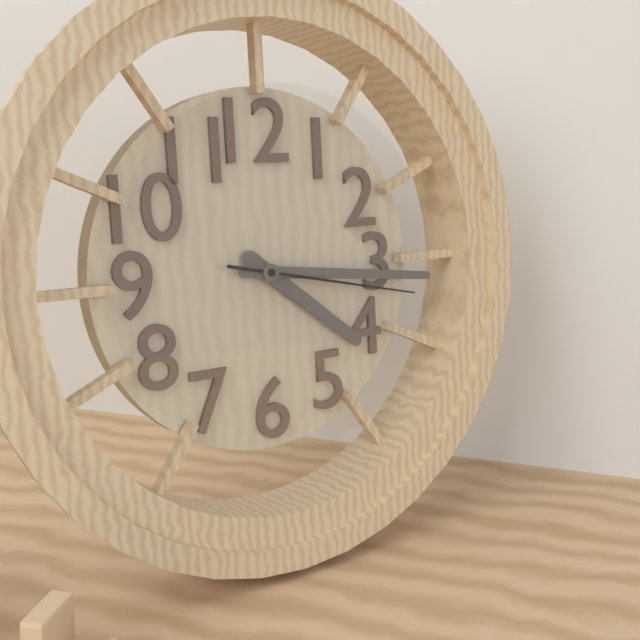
4:16:17
